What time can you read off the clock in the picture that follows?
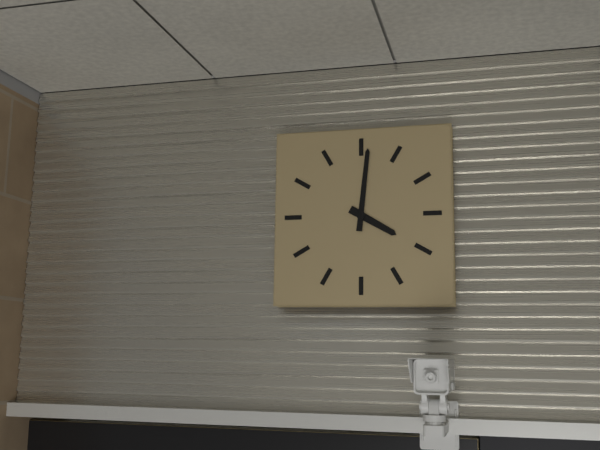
4:01
